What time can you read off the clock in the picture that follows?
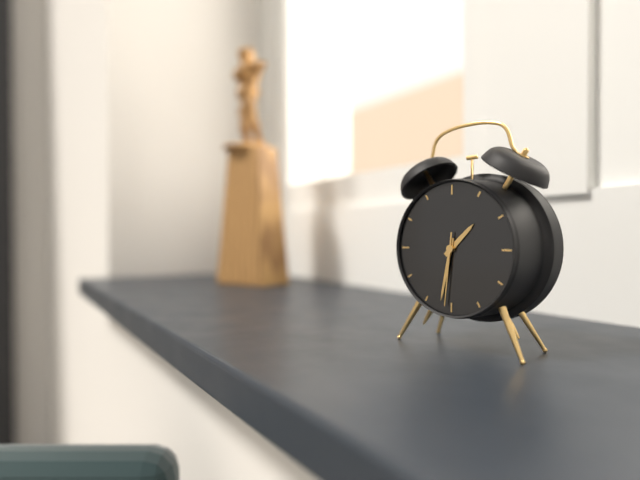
1:32:31
